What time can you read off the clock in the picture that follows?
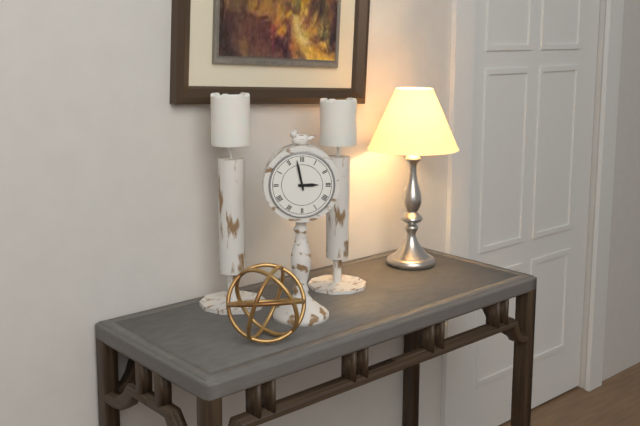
2:58
